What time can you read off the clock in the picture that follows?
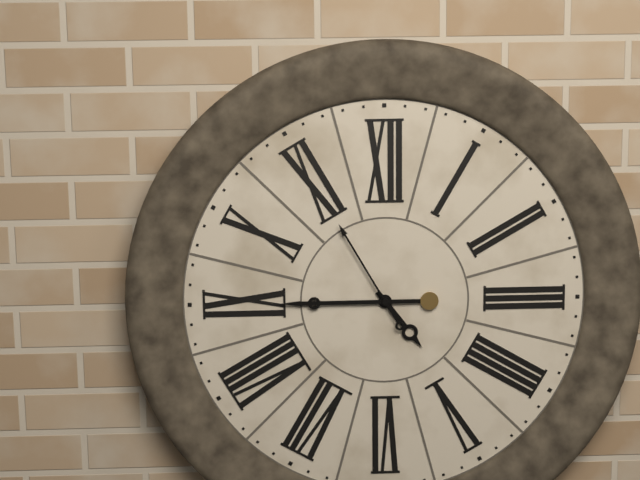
4:45:55
